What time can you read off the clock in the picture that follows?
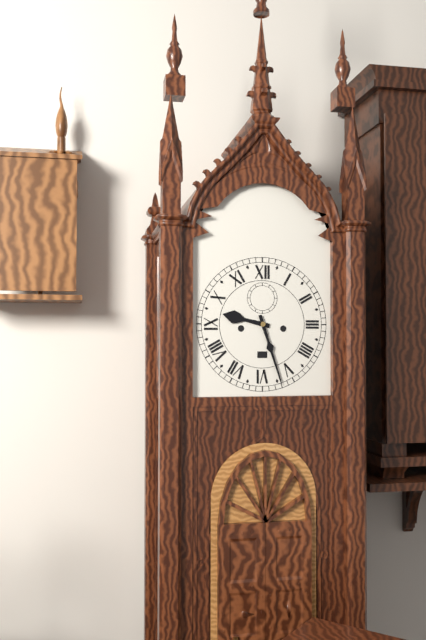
9:27
